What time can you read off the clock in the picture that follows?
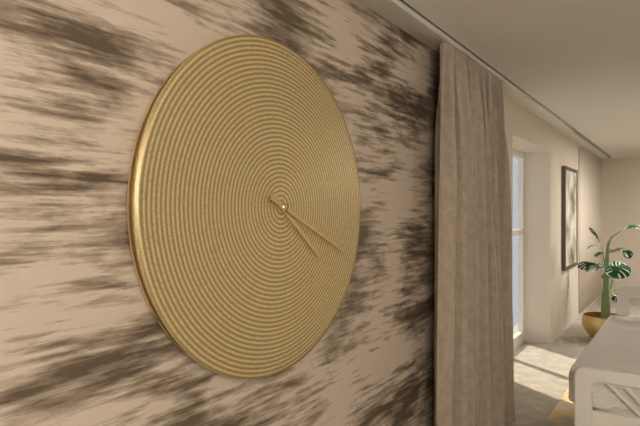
4:19
